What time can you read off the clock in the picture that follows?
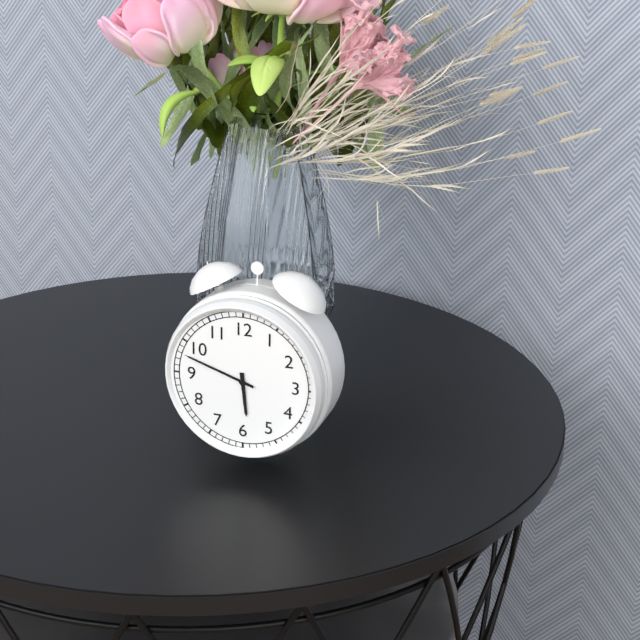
5:48
